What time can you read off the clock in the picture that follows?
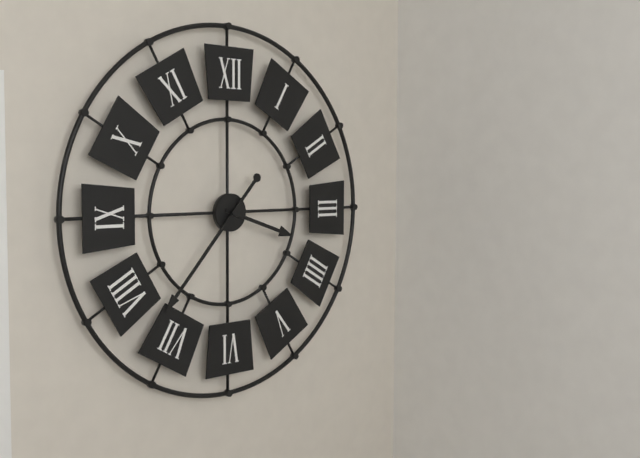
3:37
